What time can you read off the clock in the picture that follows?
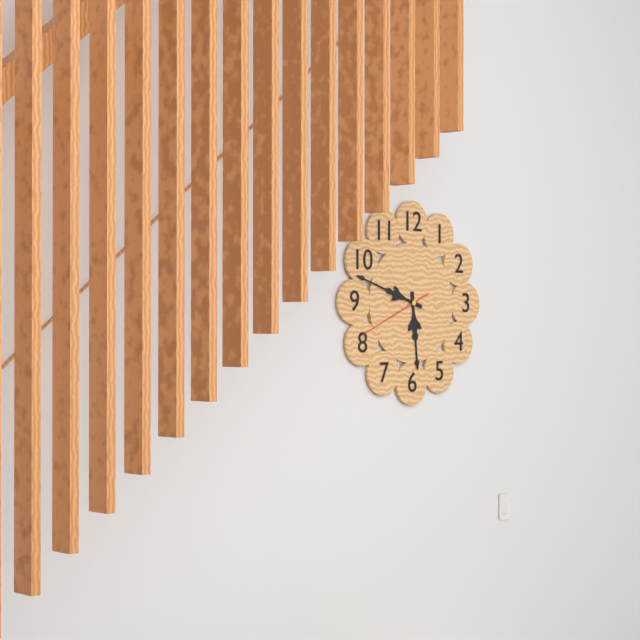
5:48:41
